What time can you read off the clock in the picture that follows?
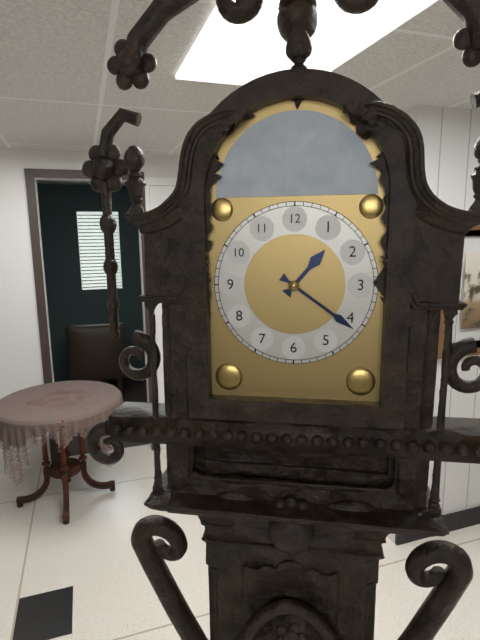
1:21
